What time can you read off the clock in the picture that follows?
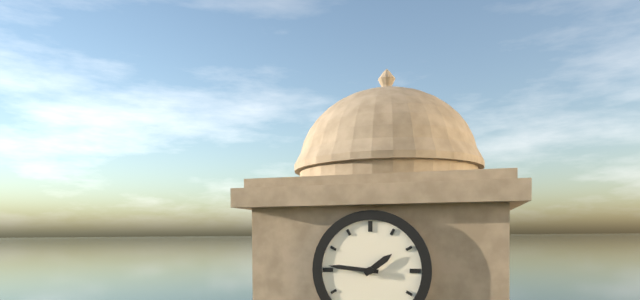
1:46
